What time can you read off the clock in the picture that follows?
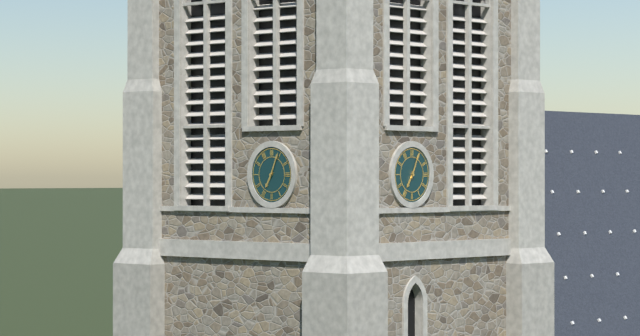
7:04
